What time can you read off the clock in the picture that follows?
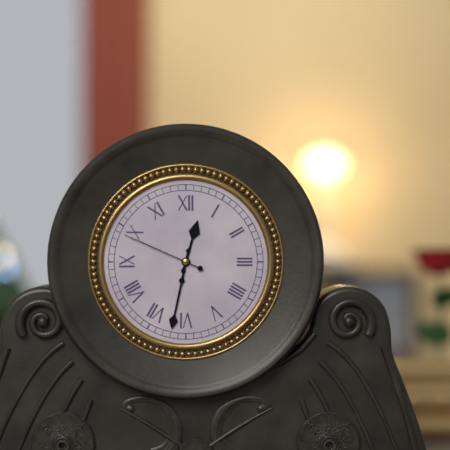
12:32:49
